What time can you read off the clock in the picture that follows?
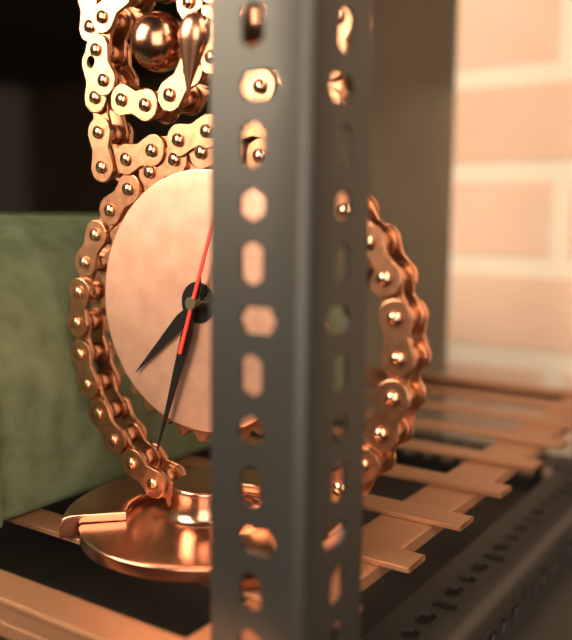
7:33
